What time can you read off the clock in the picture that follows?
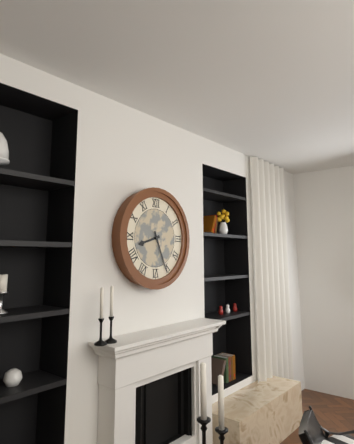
8:26
